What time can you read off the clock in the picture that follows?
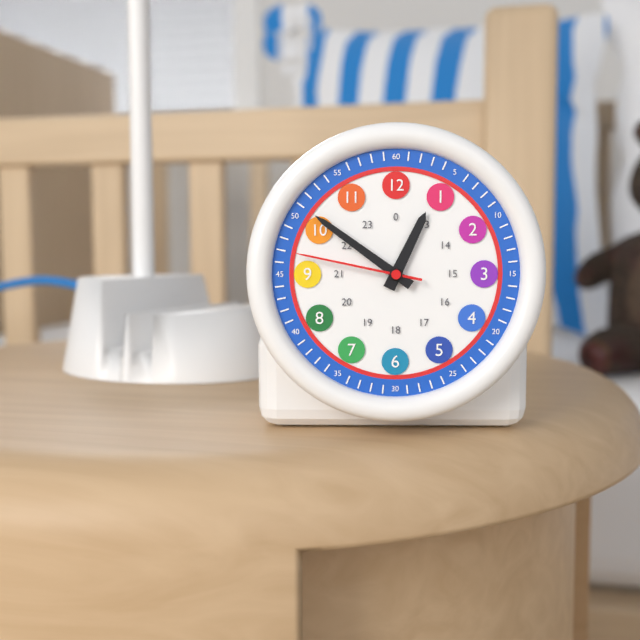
12:51:47
